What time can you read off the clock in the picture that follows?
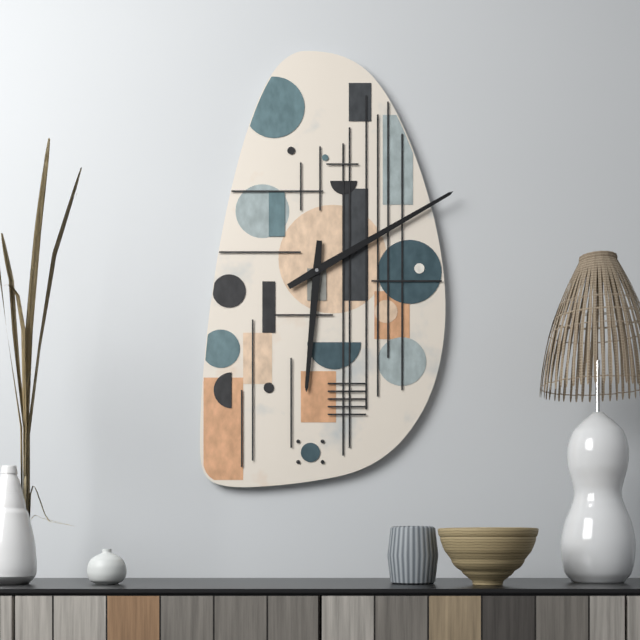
6:10
